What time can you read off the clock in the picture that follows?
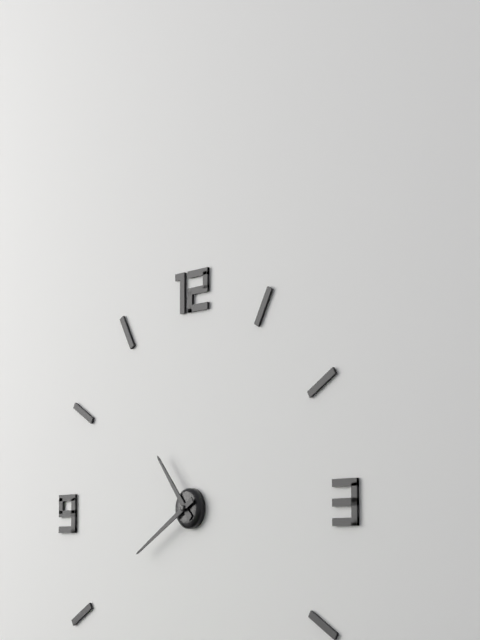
10:40
